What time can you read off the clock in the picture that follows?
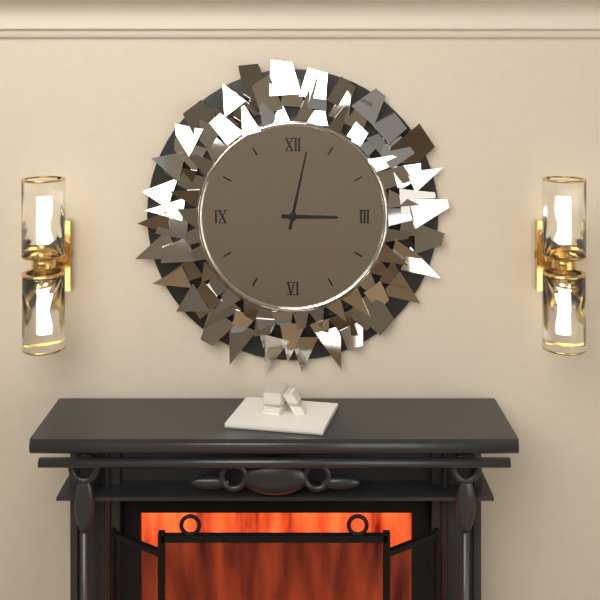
3:02
